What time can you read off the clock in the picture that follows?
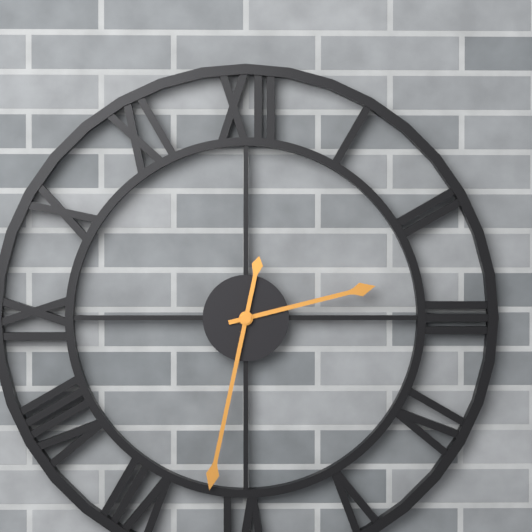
2:32
